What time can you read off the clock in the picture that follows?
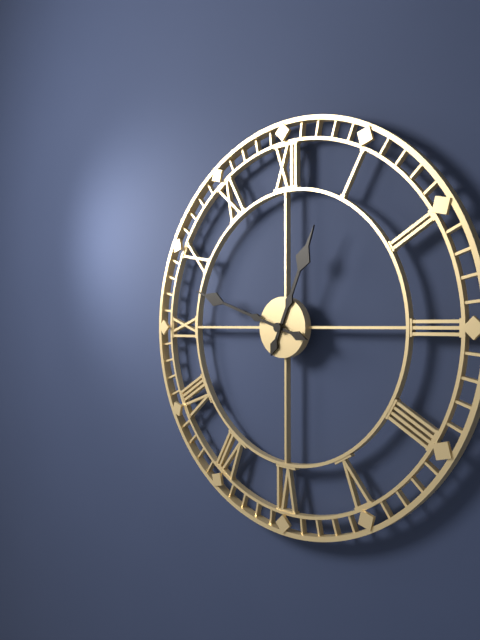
12:48
